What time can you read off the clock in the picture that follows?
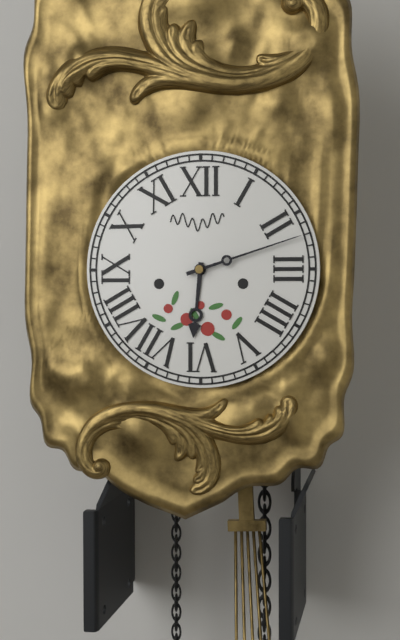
6:12
